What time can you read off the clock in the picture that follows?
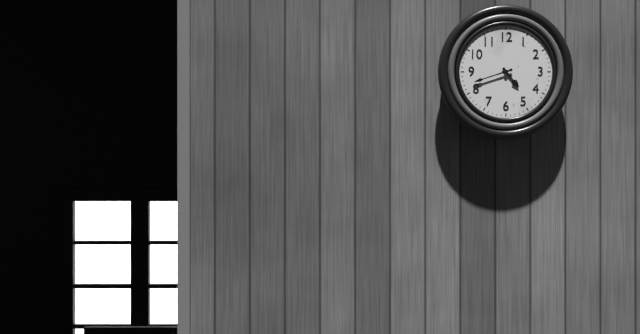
4:42
